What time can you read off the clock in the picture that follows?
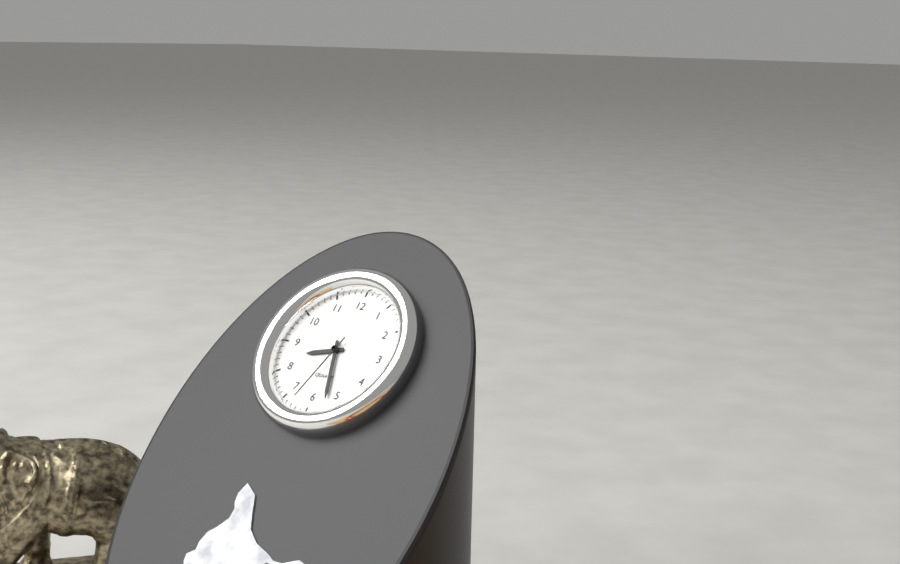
8:27:33
